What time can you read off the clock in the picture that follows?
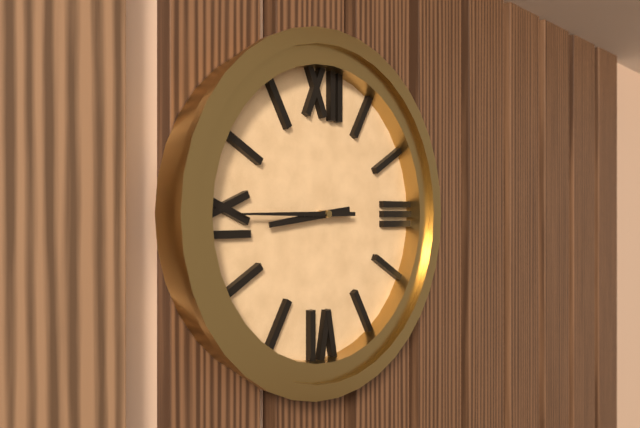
8:45
